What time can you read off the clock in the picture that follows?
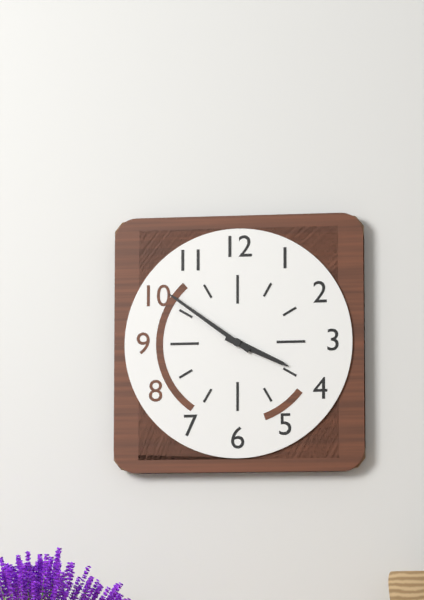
3:51
